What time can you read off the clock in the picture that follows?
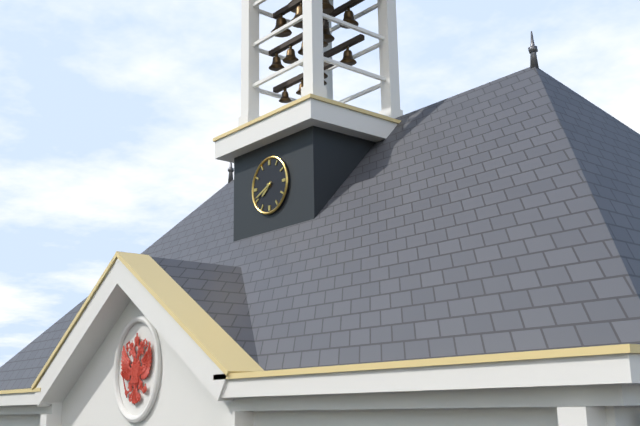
7:41
